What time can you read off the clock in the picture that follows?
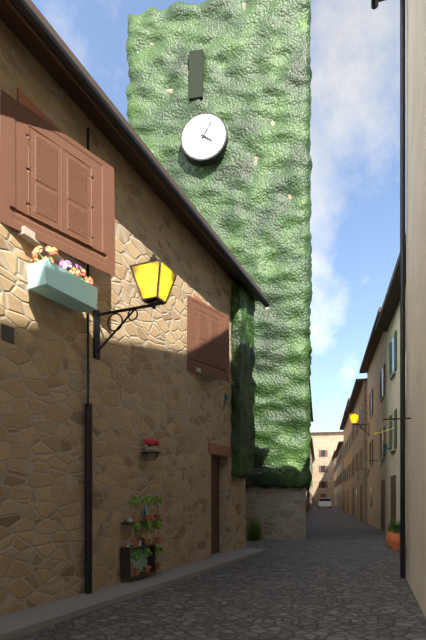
4:05
